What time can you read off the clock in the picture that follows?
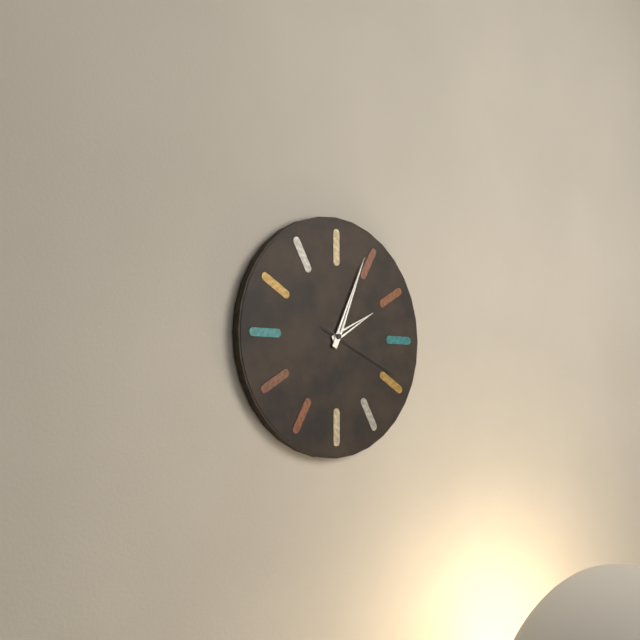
2:04:19
